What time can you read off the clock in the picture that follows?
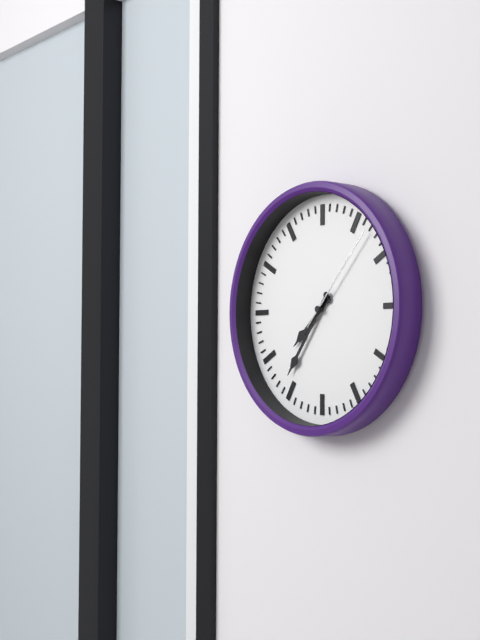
7:36:07
